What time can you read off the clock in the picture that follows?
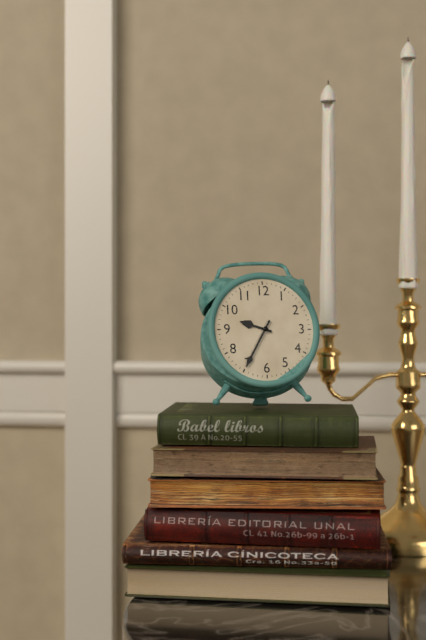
9:35
